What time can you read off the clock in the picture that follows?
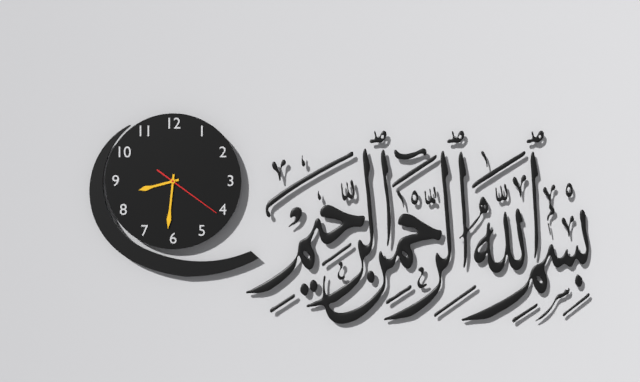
8:31:21
